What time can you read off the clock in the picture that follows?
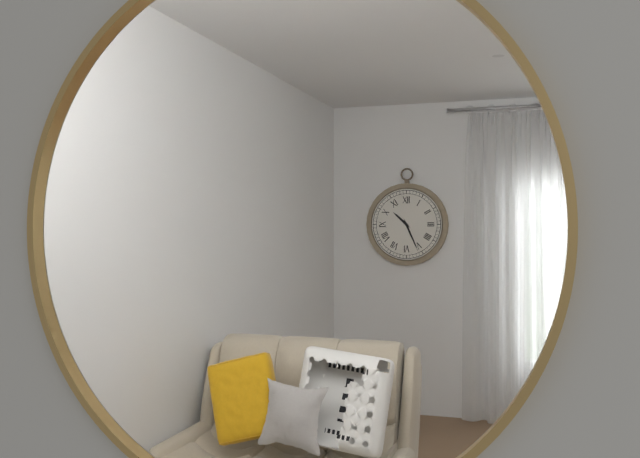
10:26
